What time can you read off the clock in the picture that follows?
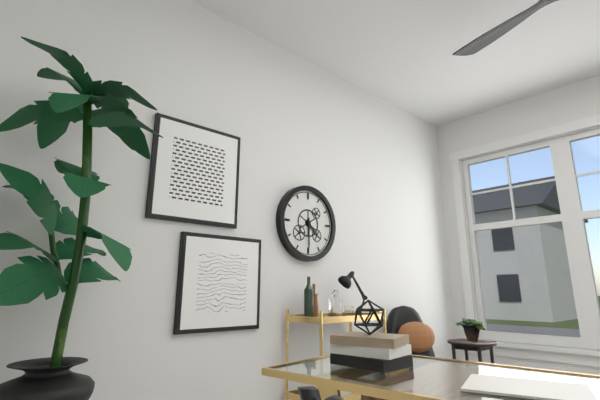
4:30
